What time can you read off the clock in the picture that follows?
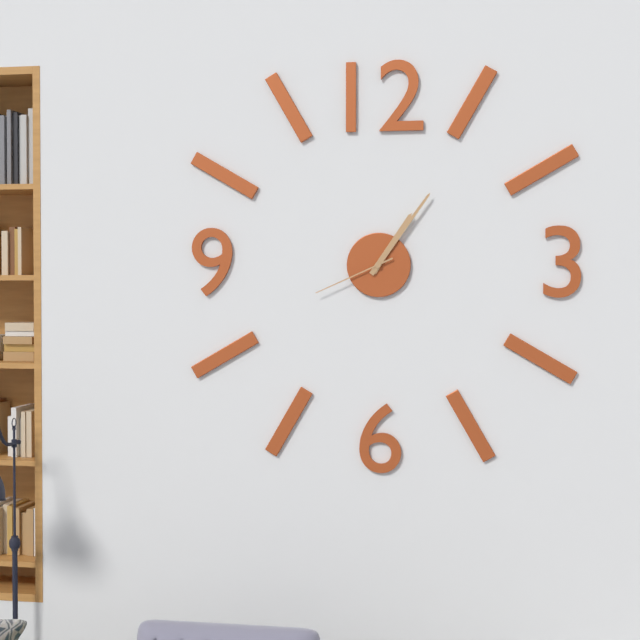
1:06:41
